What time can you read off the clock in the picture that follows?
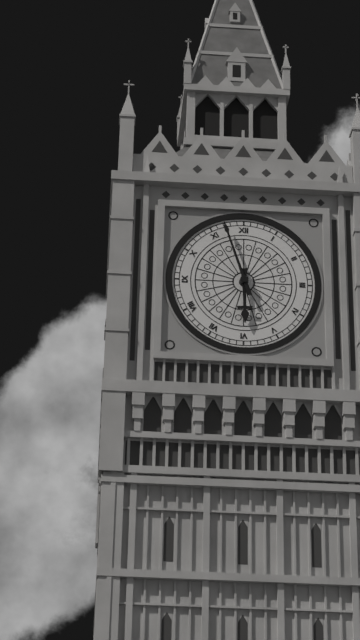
5:57
